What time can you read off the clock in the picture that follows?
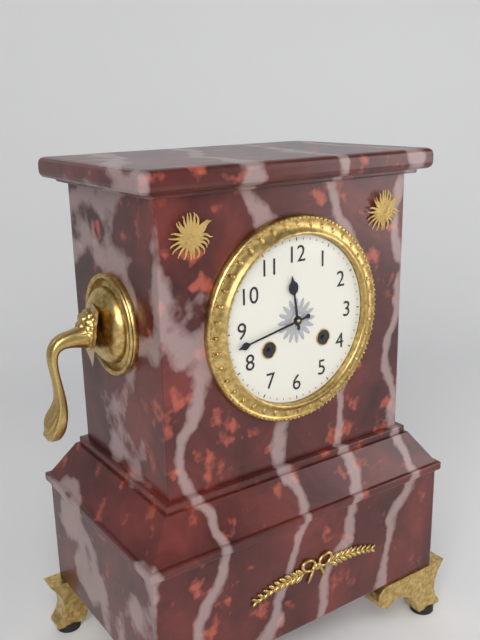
11:43
